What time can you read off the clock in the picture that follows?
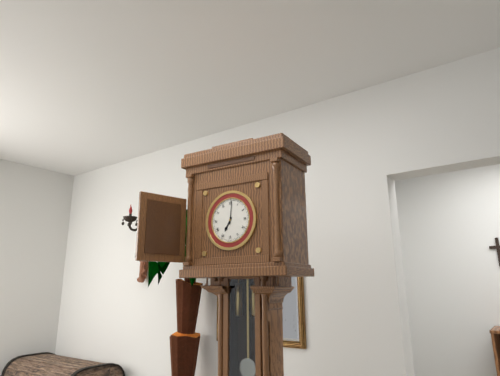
7:01
